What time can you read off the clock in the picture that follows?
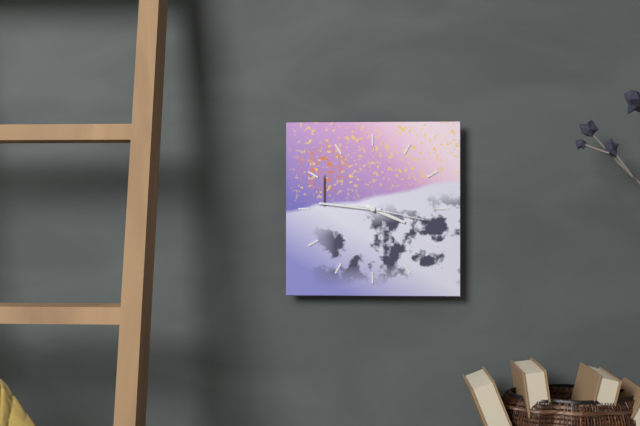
3:46:17
